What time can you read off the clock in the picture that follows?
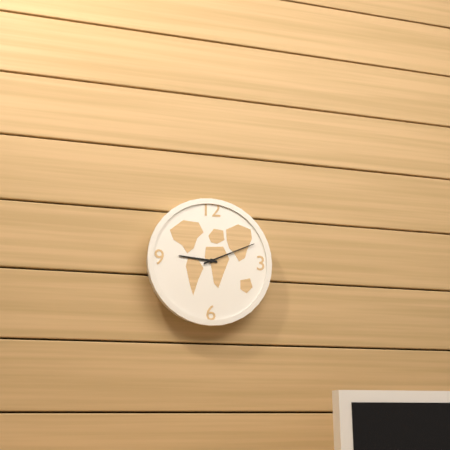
9:11
